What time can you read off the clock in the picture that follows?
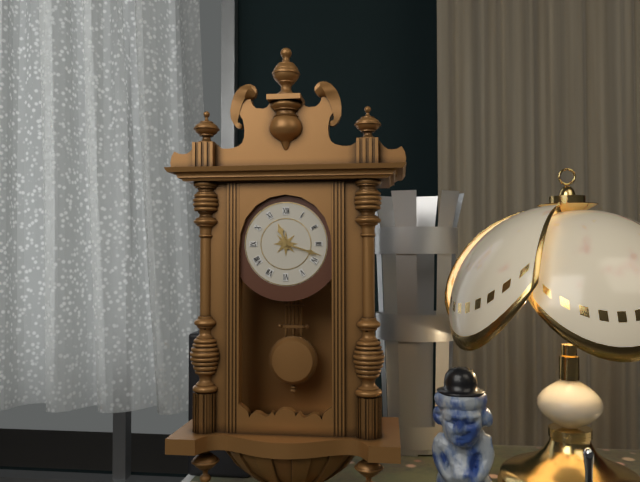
11:18
